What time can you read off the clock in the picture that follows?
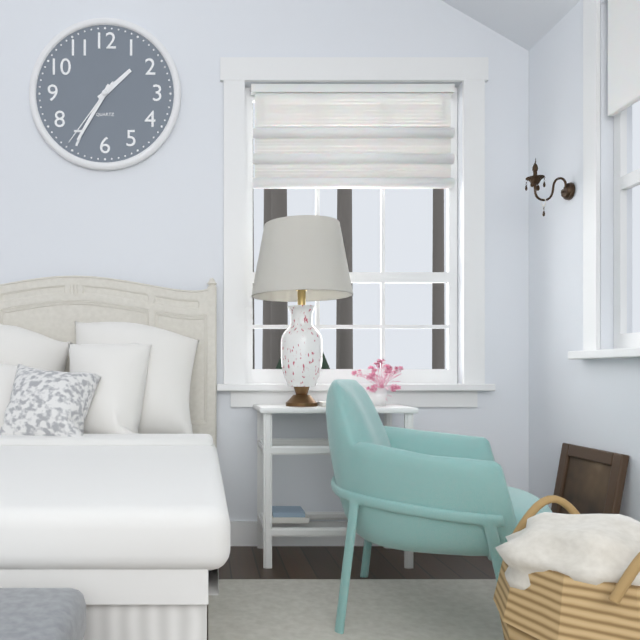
1:35:36
